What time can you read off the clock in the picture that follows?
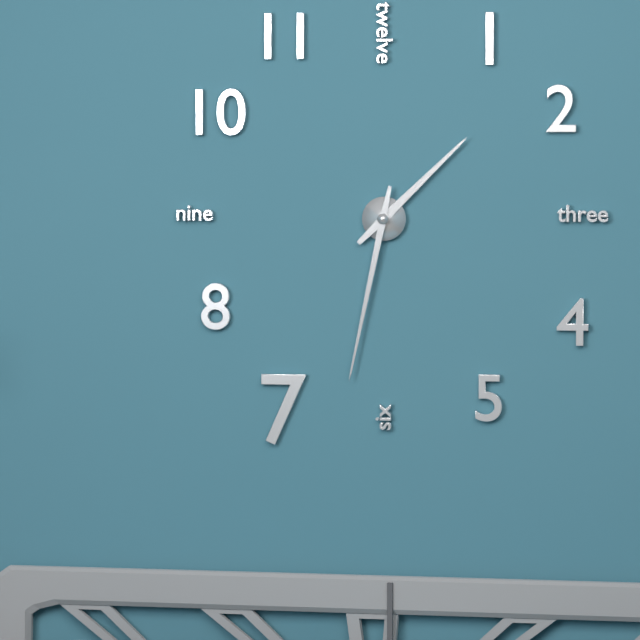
1:32
